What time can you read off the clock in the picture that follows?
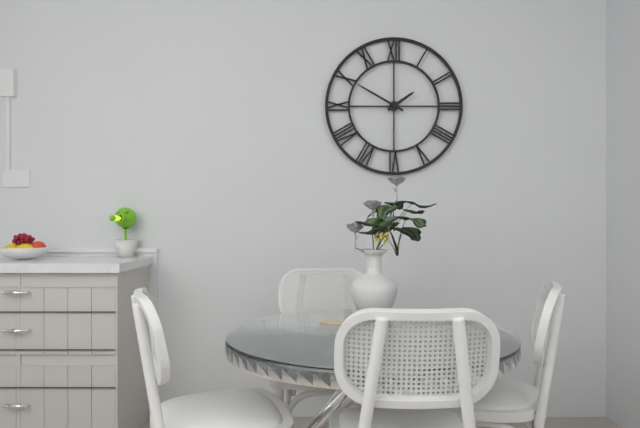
1:50
